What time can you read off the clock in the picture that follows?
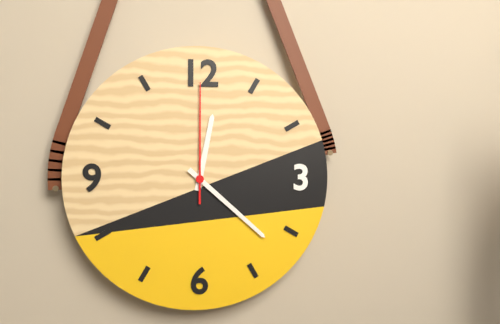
12:22:00
